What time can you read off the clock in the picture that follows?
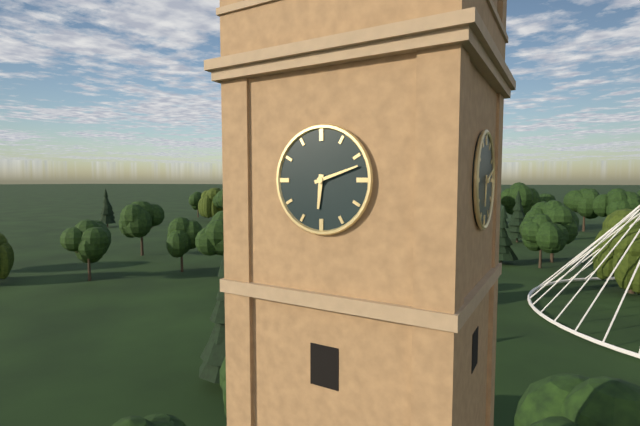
6:12
